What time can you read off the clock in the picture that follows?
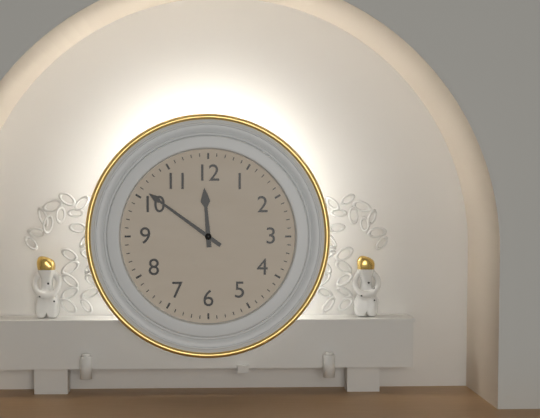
11:51
